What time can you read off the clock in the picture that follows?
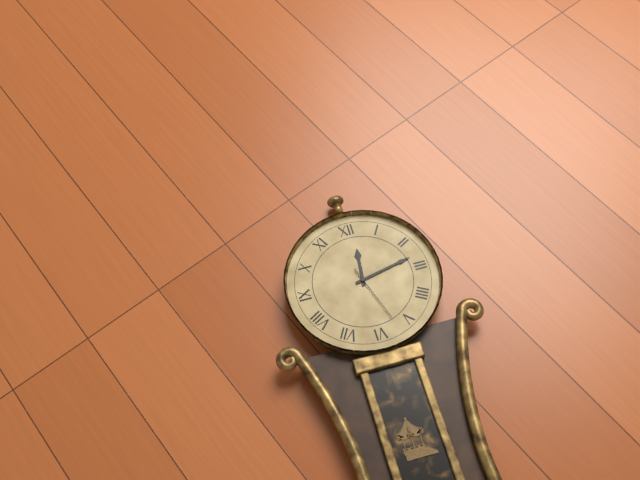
12:13:27
